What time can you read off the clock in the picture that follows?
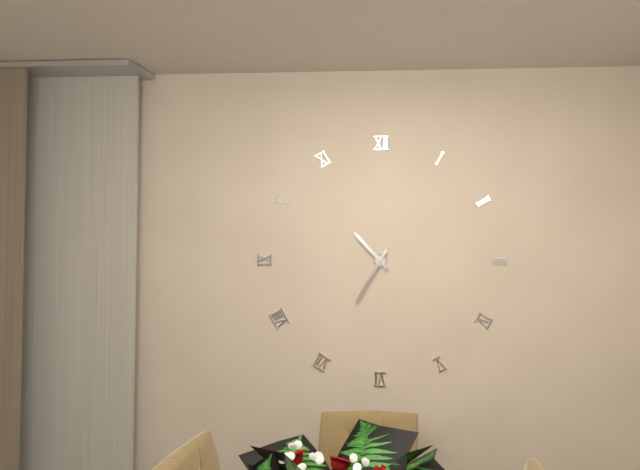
10:35
